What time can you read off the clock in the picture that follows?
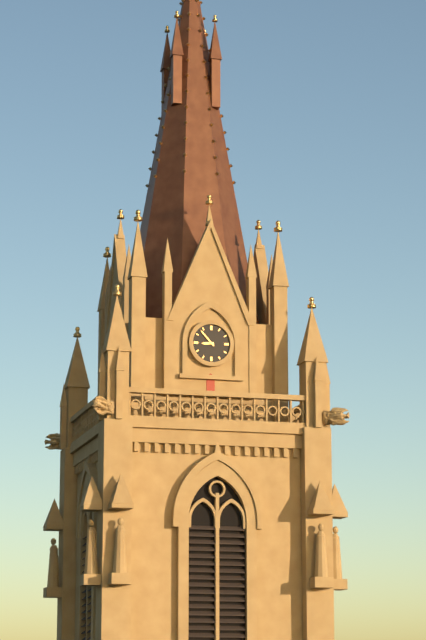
8:53
